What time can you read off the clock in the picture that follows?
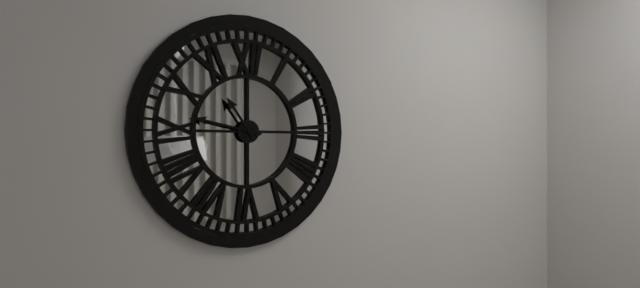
10:47
